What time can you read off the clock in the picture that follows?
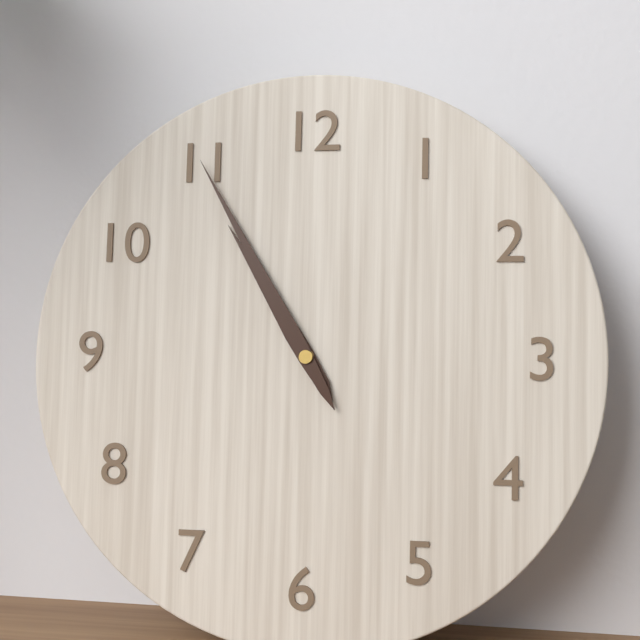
10:55
